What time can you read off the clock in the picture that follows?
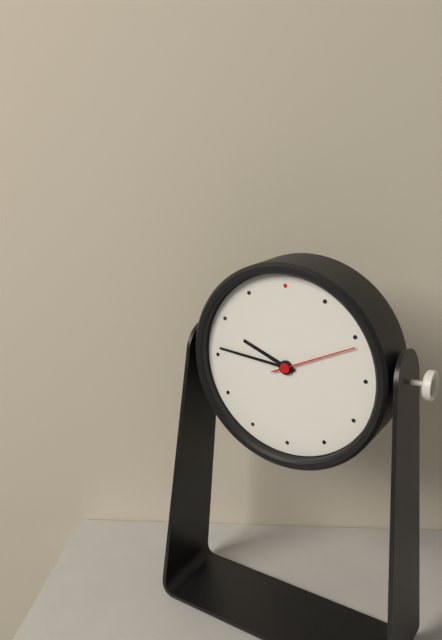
9:46:11
